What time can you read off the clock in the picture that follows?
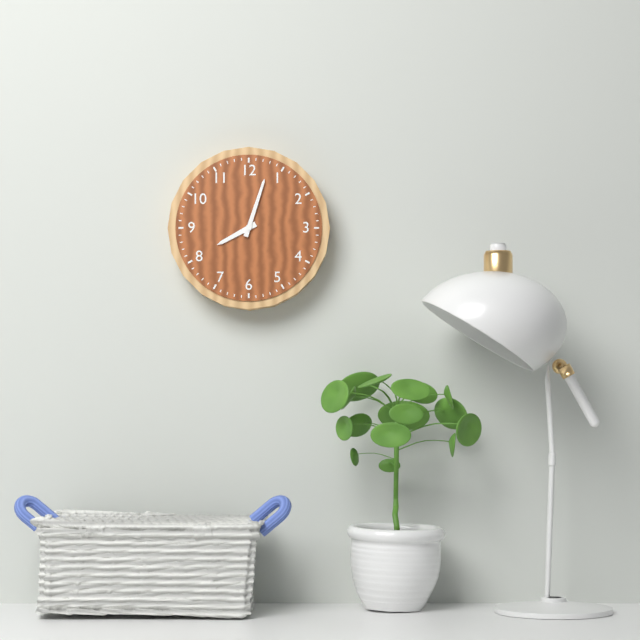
8:03
